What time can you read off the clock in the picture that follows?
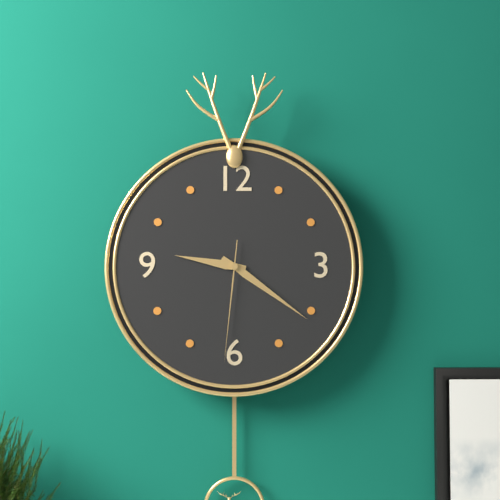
9:21:31
